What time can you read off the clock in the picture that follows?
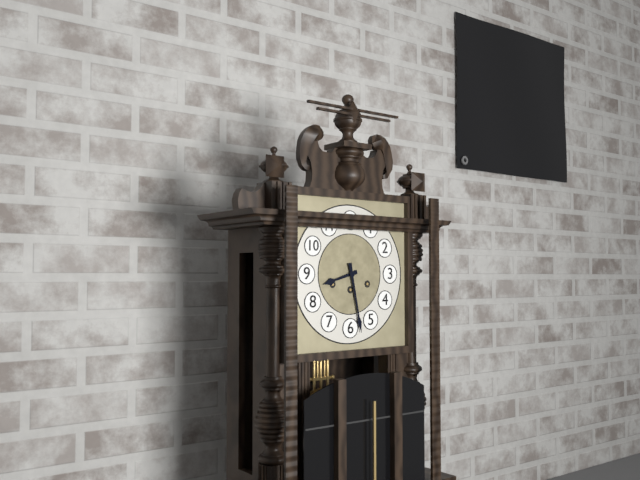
8:28
